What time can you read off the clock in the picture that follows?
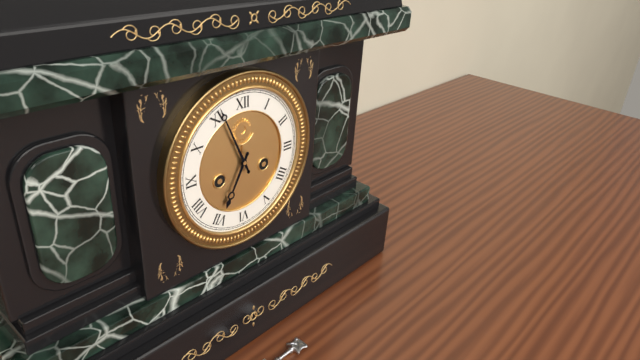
6:56
